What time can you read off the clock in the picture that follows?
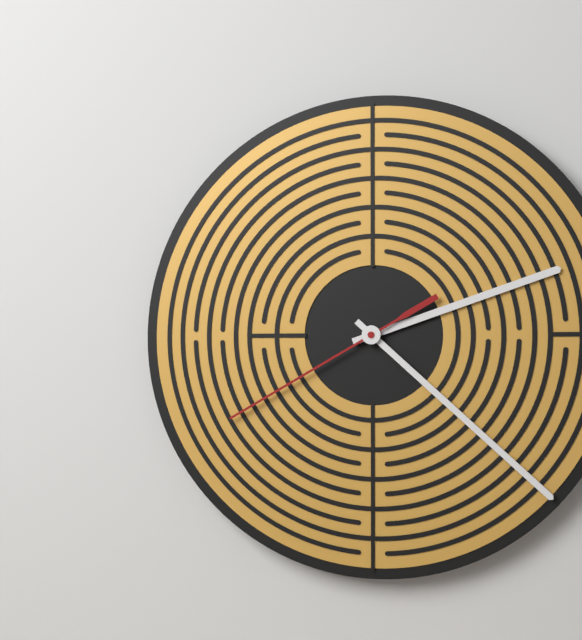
2:22:40
